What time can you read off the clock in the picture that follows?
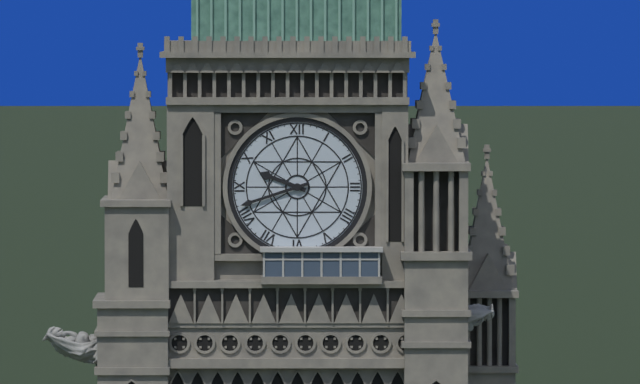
9:42
